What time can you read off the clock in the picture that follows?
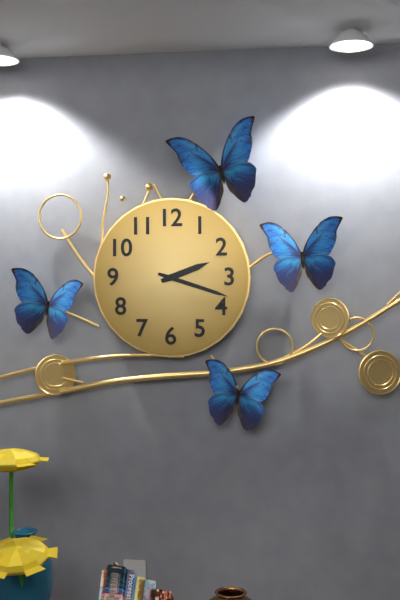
2:18
